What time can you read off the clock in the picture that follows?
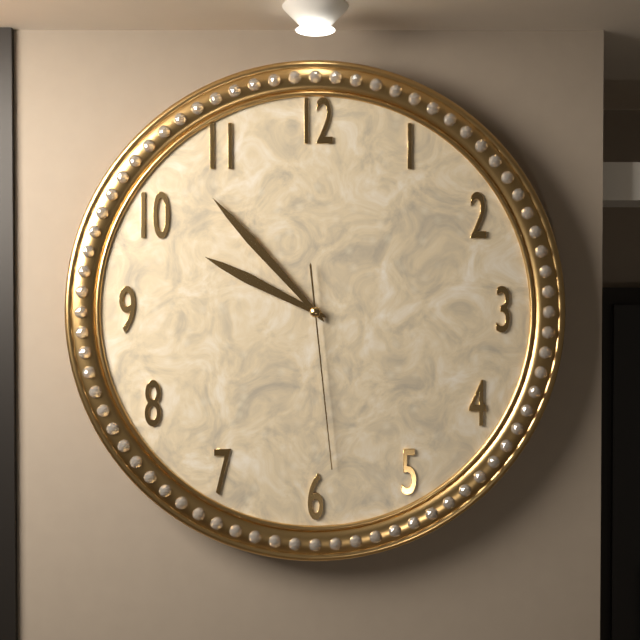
9:53:29
